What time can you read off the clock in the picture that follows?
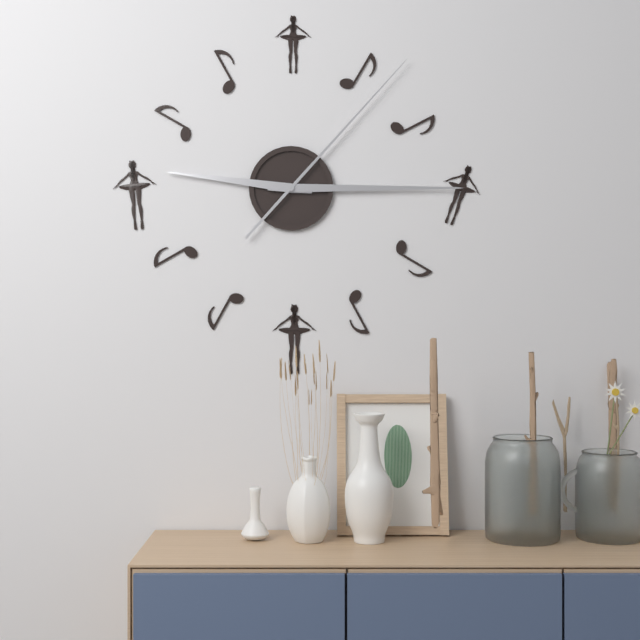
9:15:07
